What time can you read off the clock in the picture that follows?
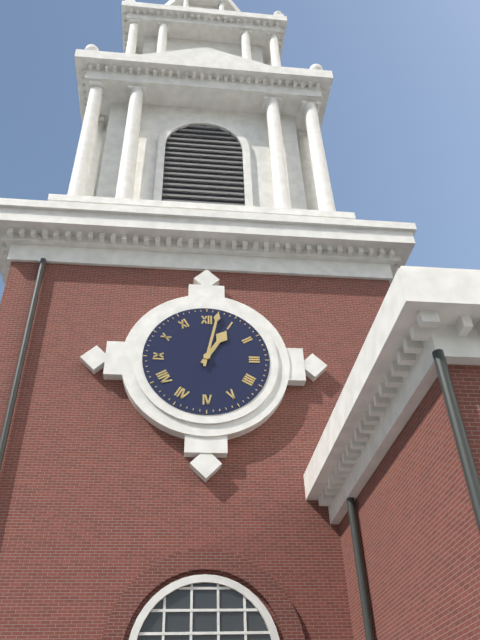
1:02
